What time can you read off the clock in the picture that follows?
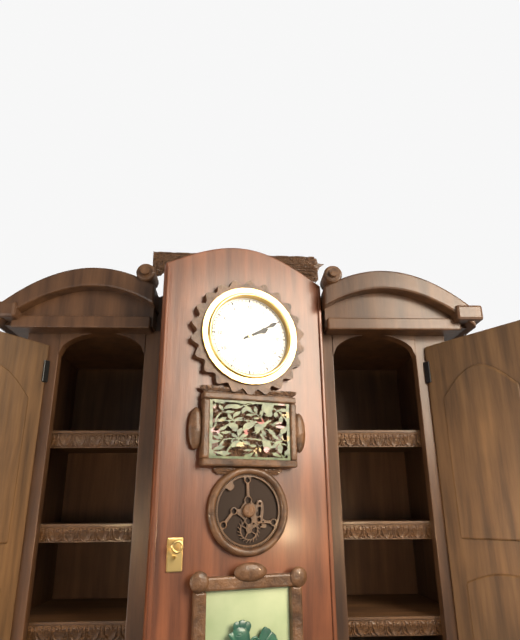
2:10
